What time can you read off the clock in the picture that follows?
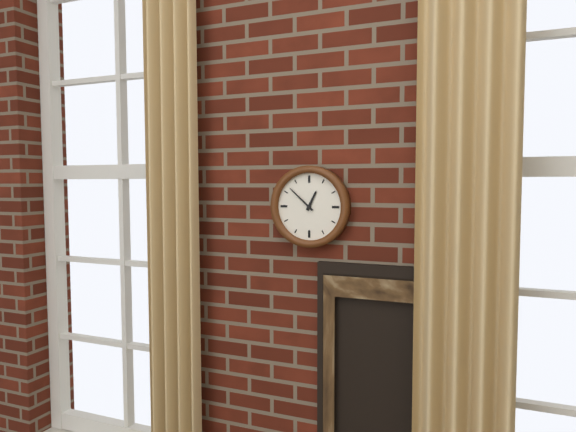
12:52
